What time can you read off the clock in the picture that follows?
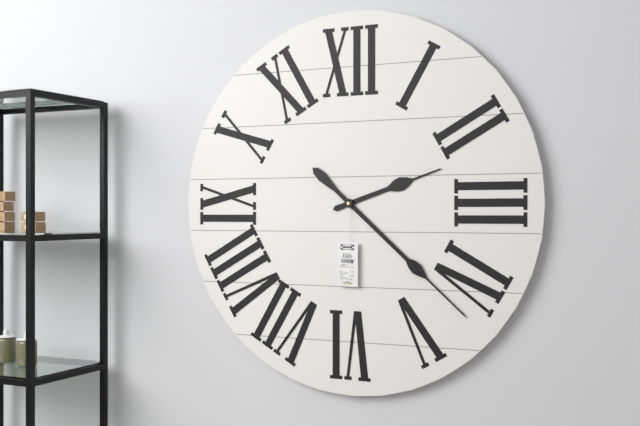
2:22
